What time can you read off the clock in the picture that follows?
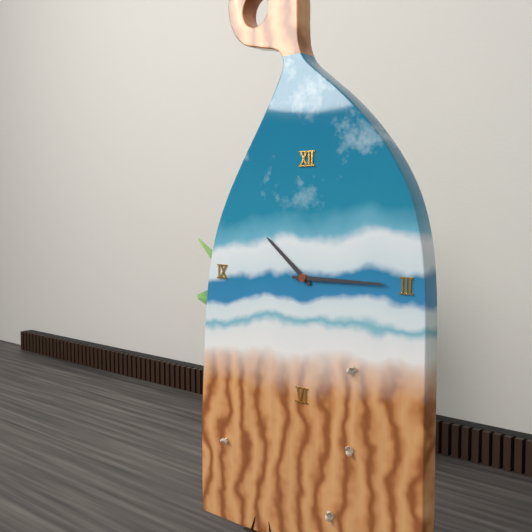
10:15
